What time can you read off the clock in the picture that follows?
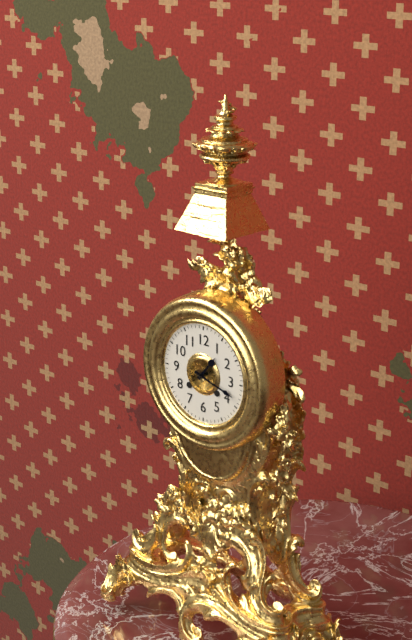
1:18
